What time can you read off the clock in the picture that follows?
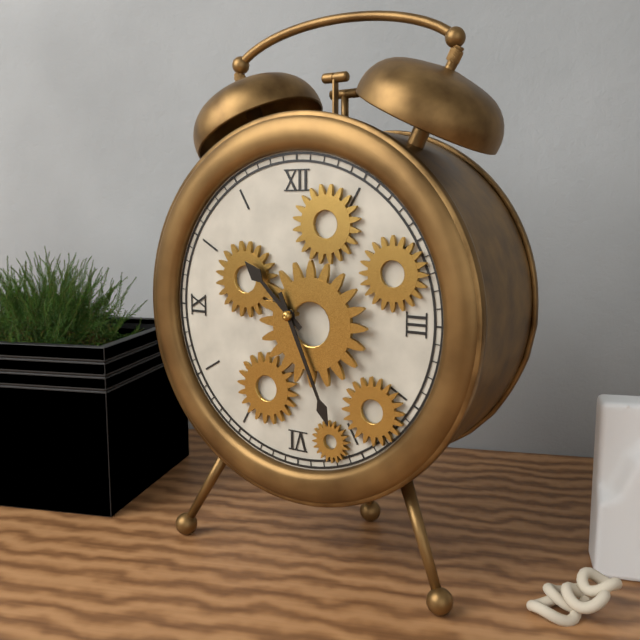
10:26
